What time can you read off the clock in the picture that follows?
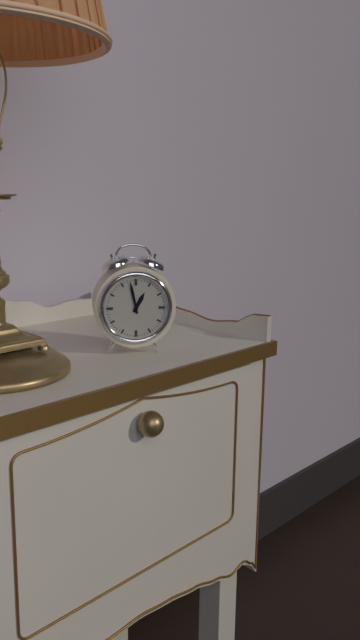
12:58
